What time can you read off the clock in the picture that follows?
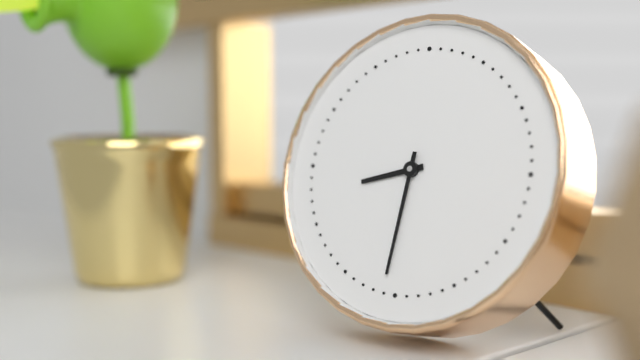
8:31
